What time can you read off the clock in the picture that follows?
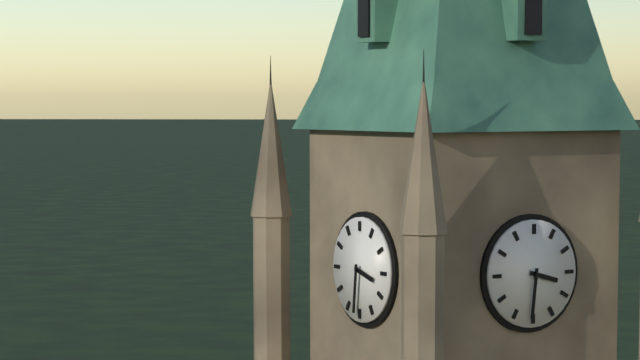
3:31
